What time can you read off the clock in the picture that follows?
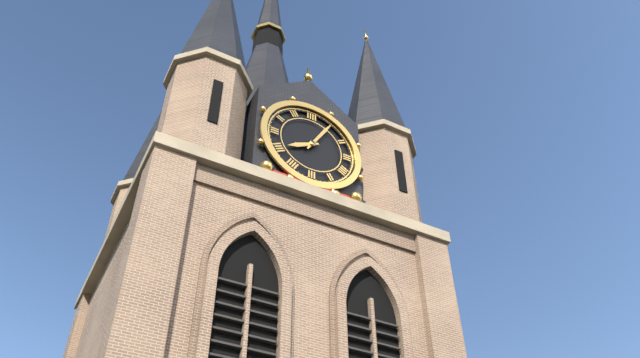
8:05
